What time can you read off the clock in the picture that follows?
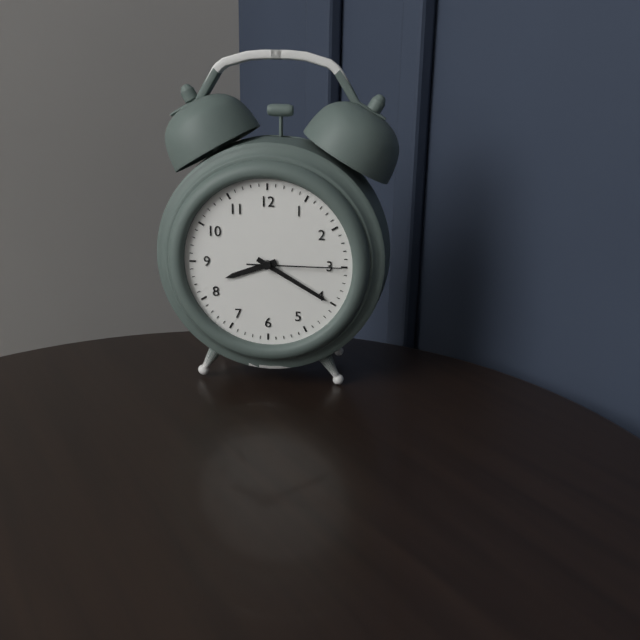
8:20:15
